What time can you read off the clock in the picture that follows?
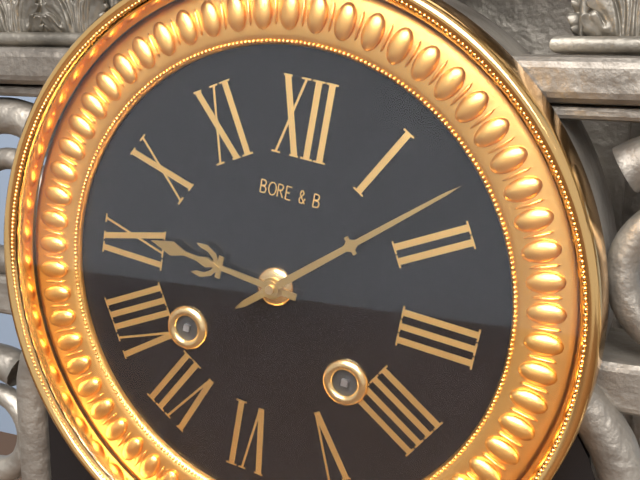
9:08
